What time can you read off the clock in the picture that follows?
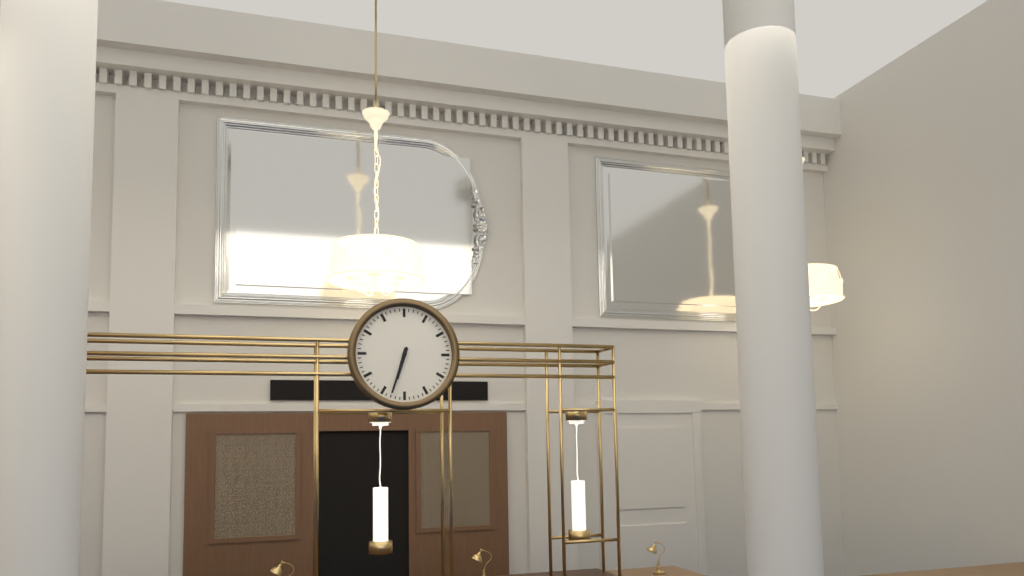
6:33
